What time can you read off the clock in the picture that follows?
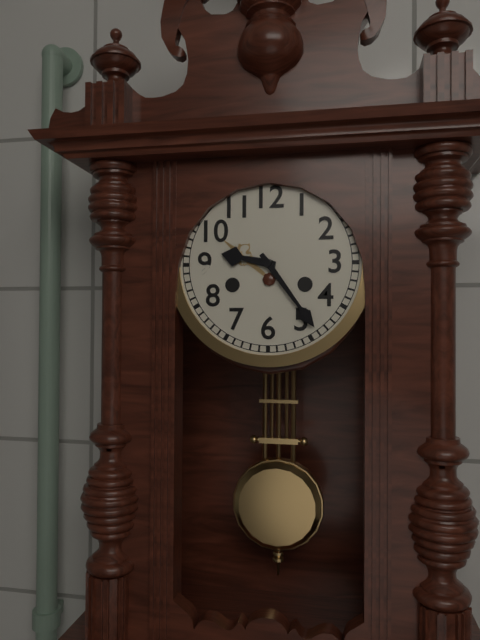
9:24
